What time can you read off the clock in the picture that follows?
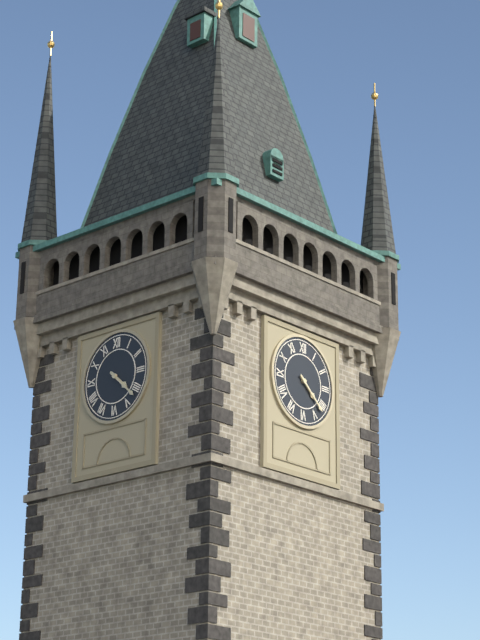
4:22
